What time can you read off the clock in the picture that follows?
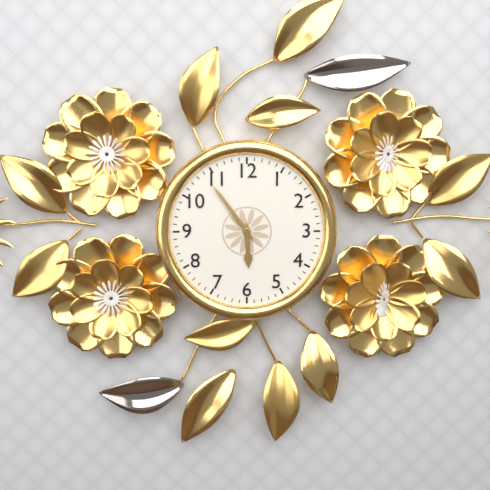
5:54
